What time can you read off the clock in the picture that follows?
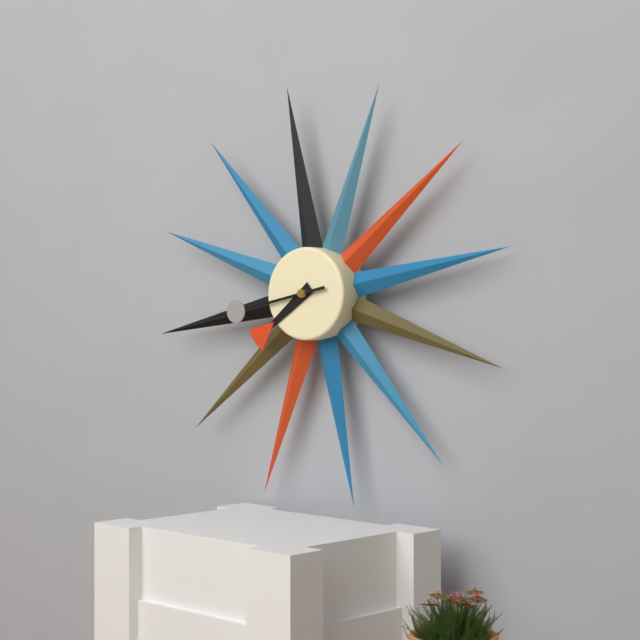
7:43
